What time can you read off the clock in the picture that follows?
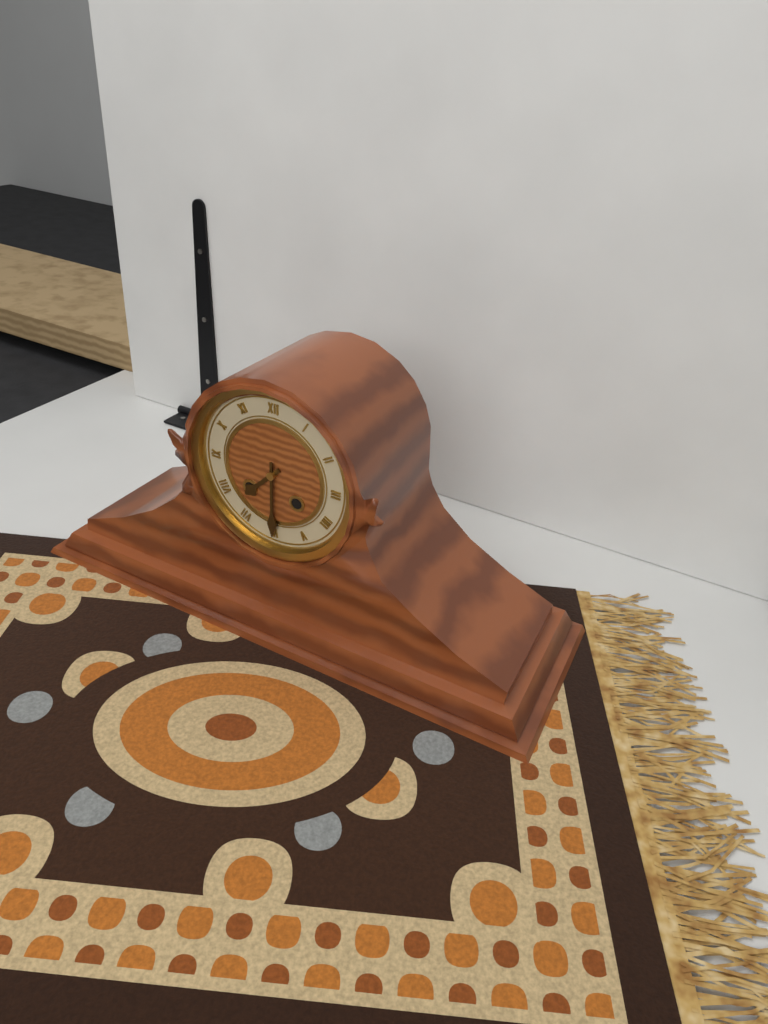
7:30
